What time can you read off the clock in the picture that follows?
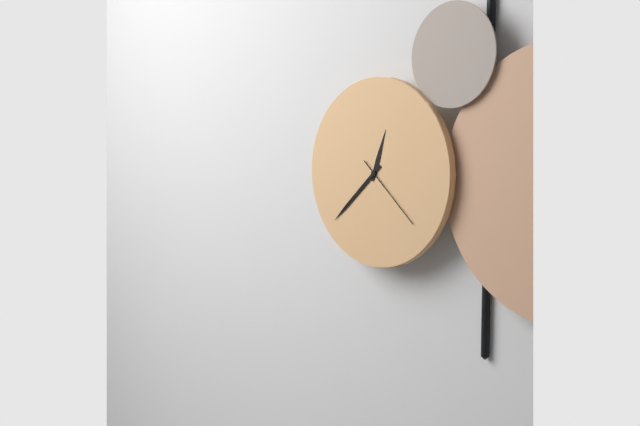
12:38:22
